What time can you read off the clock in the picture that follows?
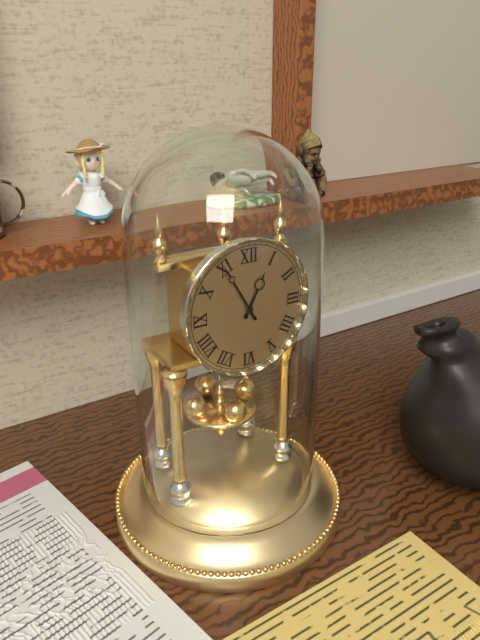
12:55
